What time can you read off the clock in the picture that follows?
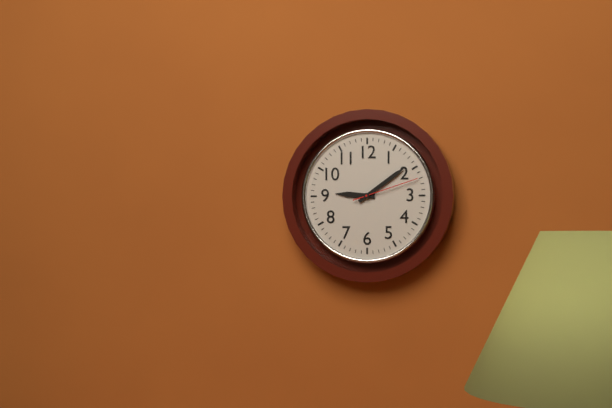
9:09:12
